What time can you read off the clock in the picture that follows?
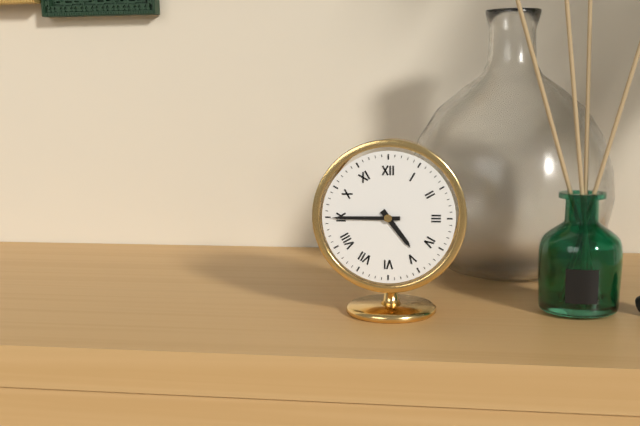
4:45
